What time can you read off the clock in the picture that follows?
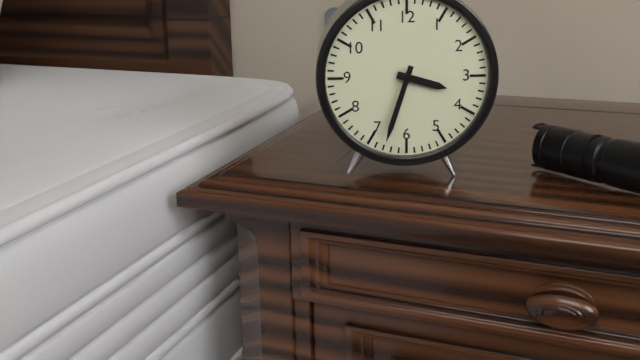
3:33
